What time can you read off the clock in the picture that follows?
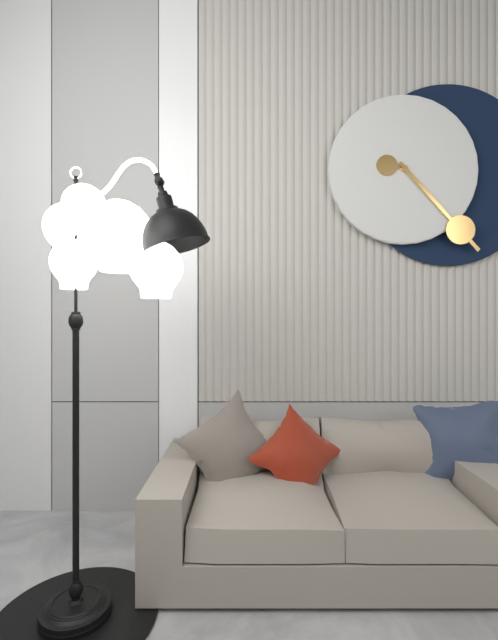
9:23
